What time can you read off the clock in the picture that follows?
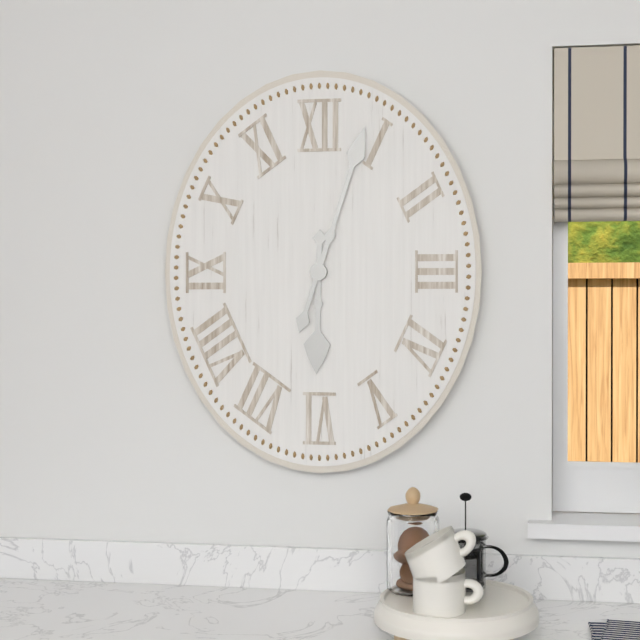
6:03
